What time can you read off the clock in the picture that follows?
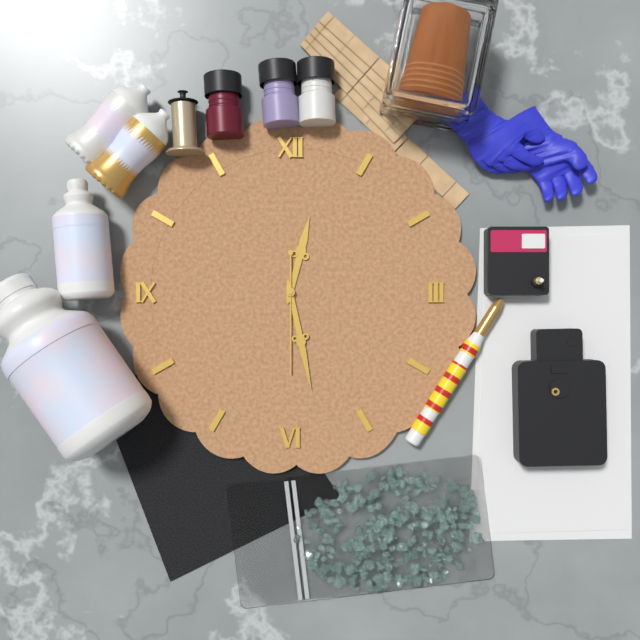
12:28:30
